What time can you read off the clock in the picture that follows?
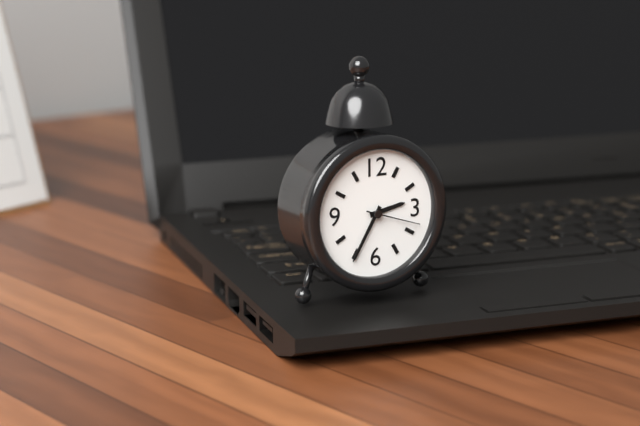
2:35:18
